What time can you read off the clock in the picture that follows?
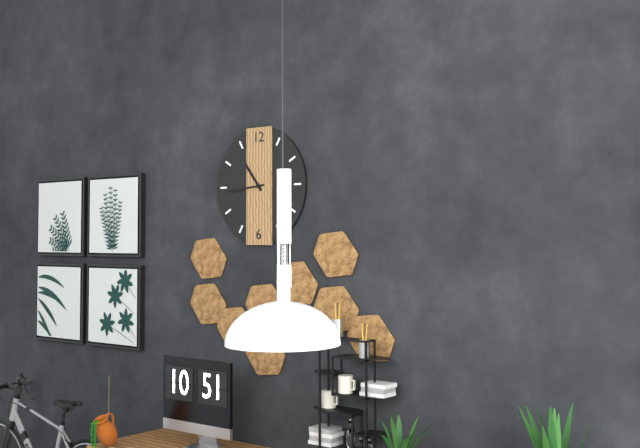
10:44
